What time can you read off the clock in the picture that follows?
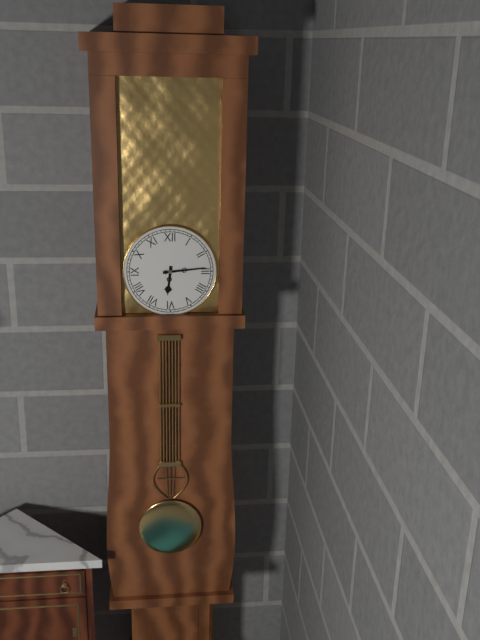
6:14
